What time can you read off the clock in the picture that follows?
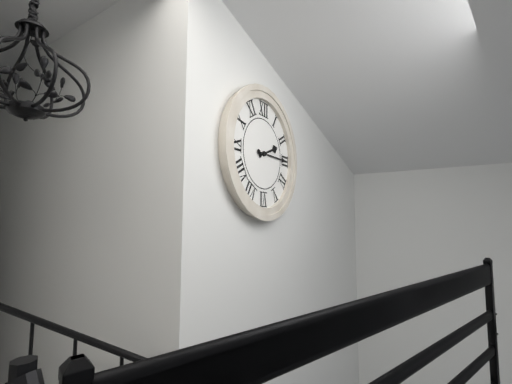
2:15
